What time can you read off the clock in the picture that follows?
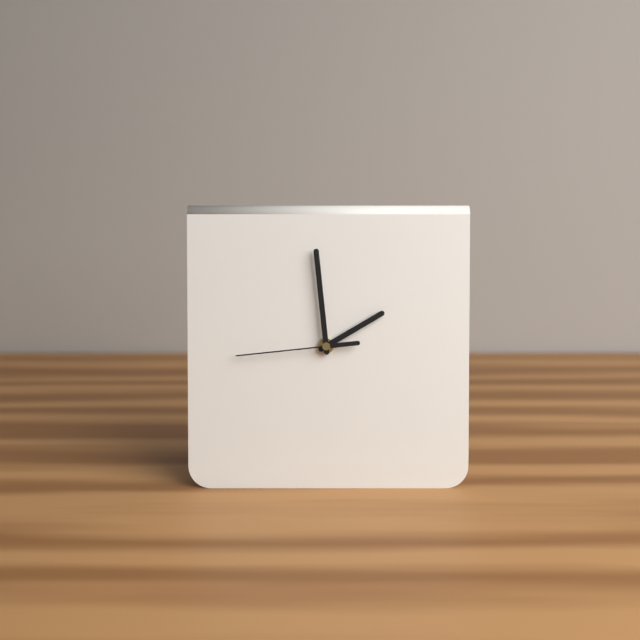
1:59:44
